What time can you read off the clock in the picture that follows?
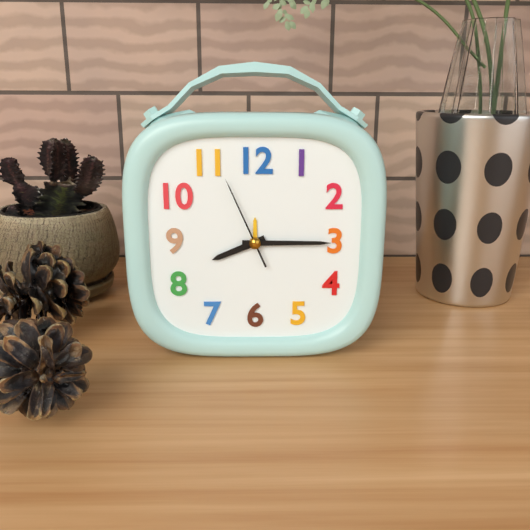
8:15:56
